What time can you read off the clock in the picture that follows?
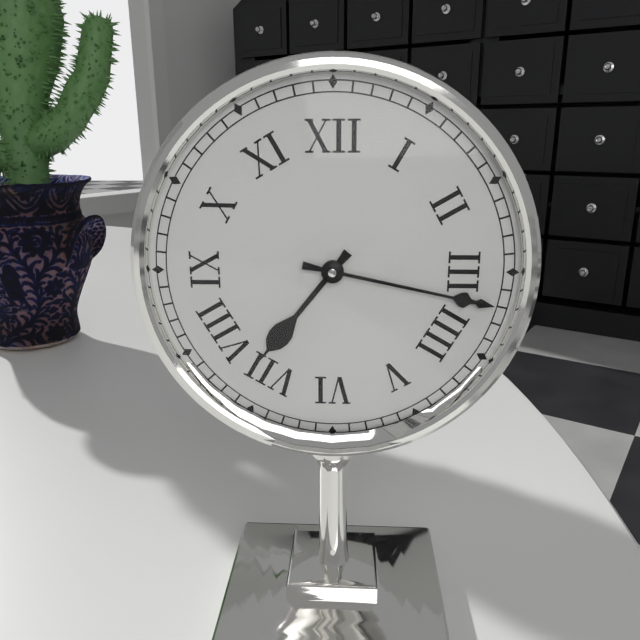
7:17
